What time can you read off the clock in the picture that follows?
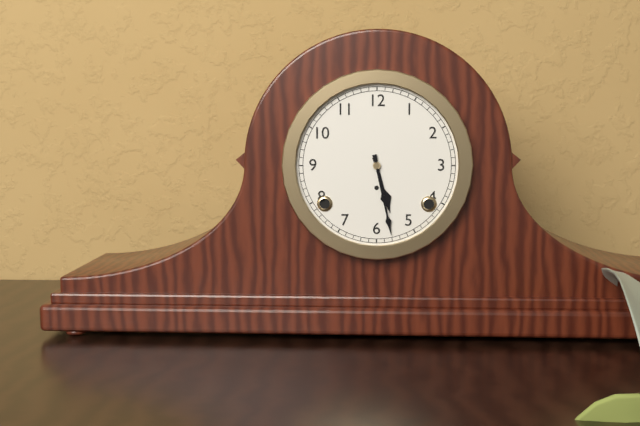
5:28
